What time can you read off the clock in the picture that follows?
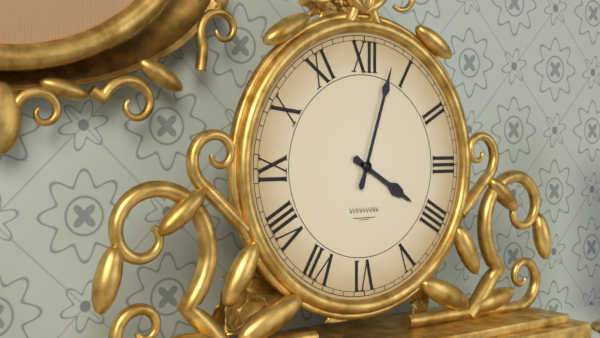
4:03
